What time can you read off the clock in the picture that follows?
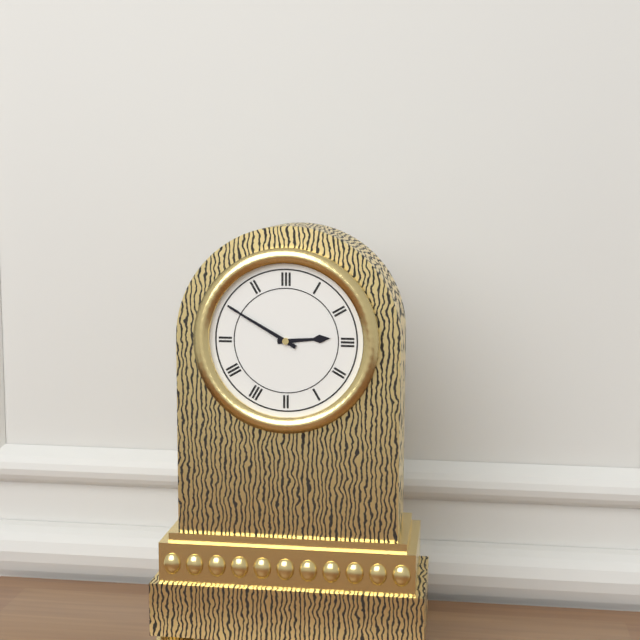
2:50
